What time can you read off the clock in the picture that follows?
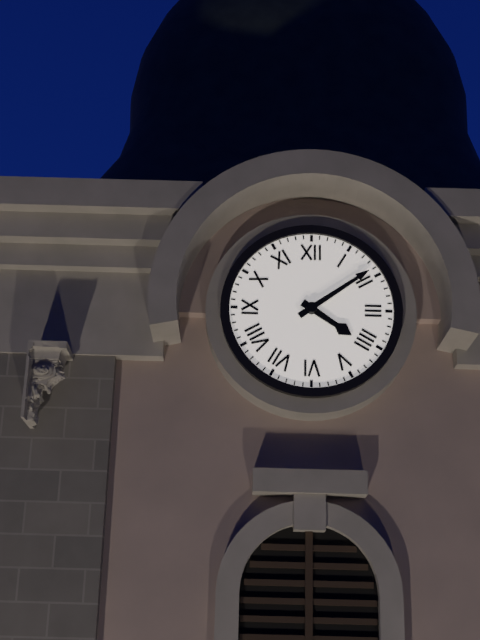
4:09
